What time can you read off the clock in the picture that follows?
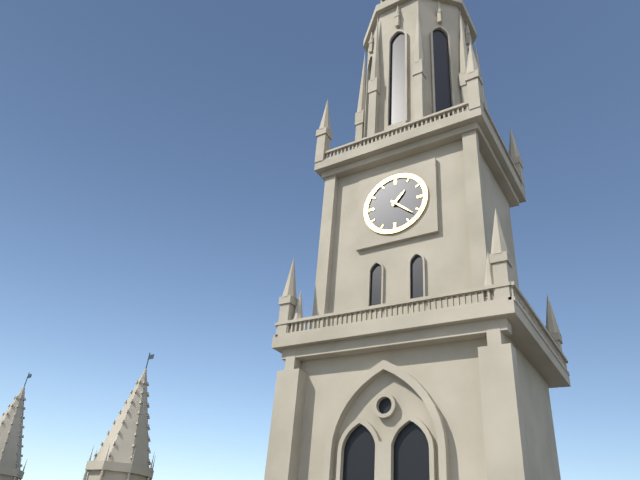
1:22
